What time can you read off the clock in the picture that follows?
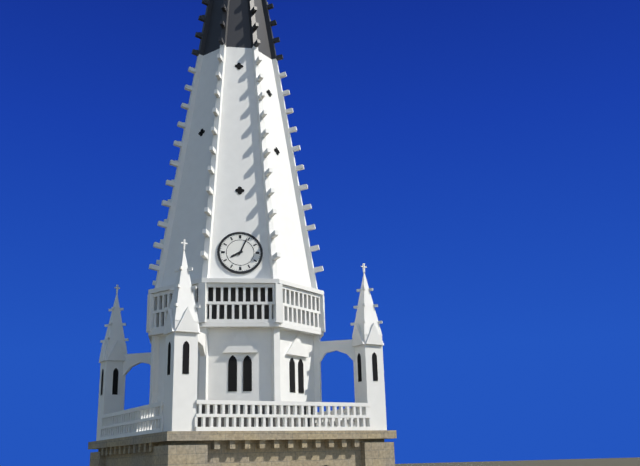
8:04
